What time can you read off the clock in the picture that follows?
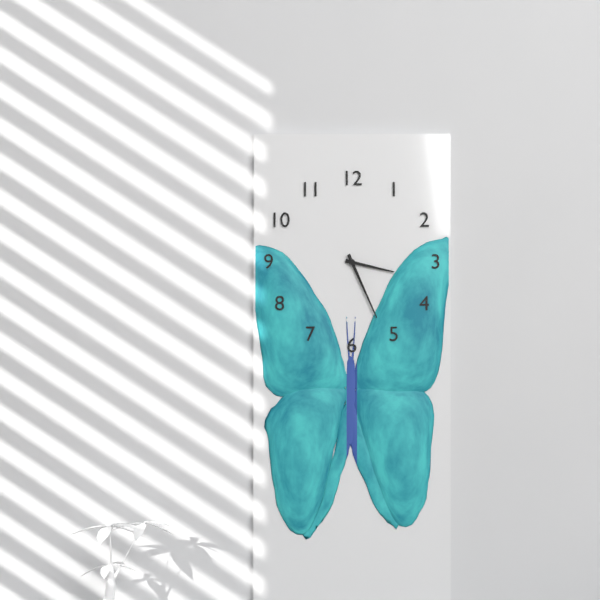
3:26
